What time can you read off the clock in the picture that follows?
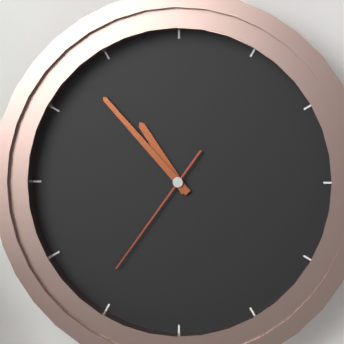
10:53:36
